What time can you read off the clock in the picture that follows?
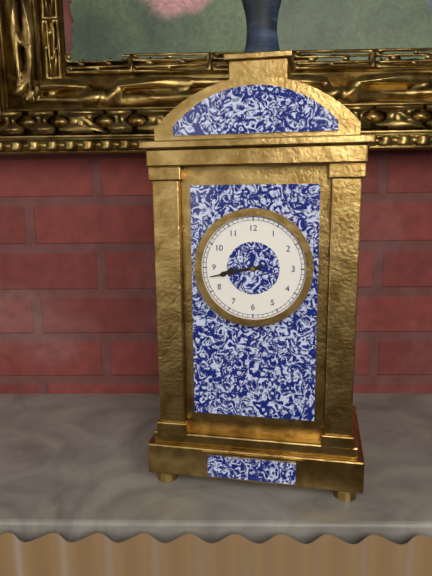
8:43
